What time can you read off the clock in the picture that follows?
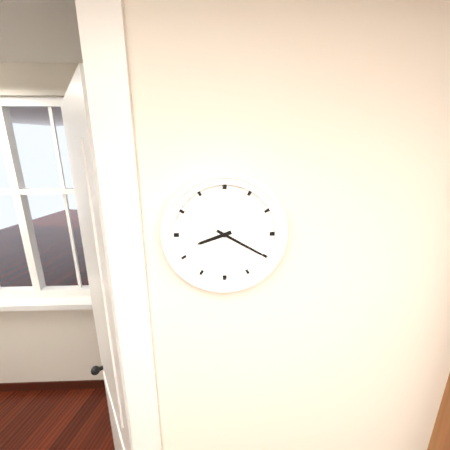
8:20
